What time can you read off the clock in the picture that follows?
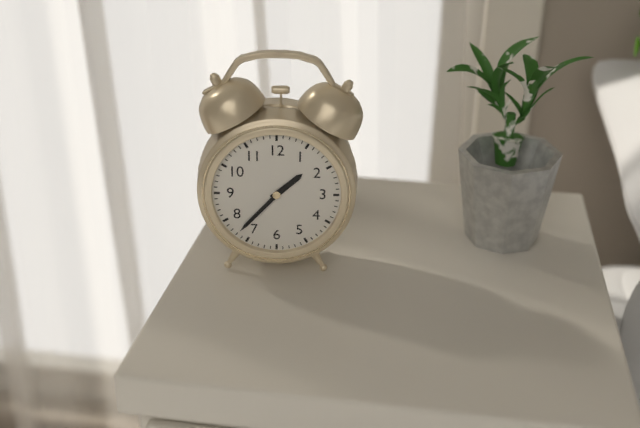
1:37
